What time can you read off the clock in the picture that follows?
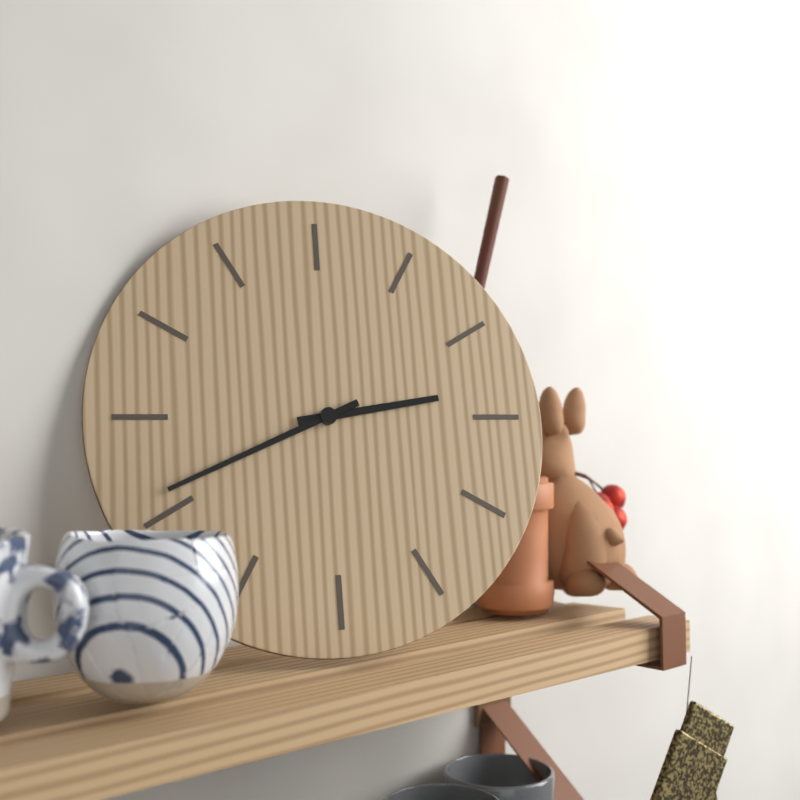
2:41
